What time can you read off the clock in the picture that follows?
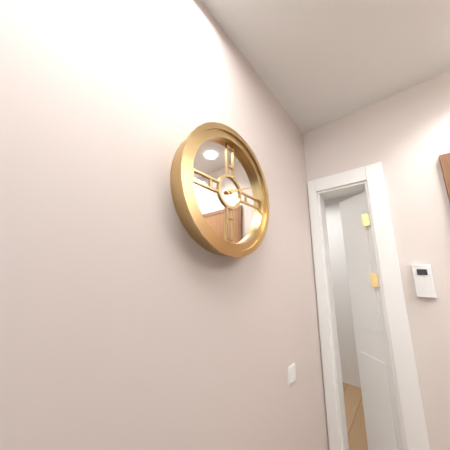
2:11
